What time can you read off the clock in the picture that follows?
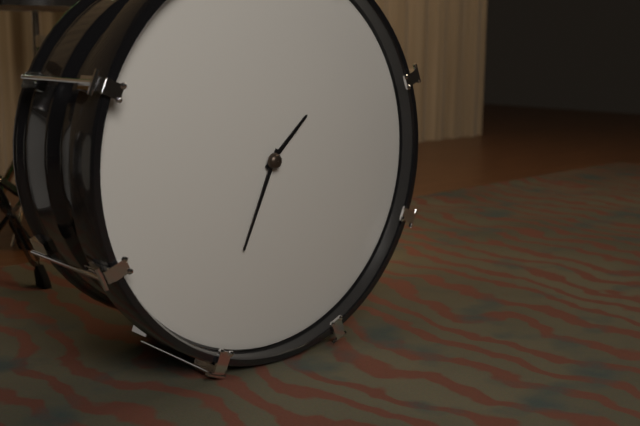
1:34
